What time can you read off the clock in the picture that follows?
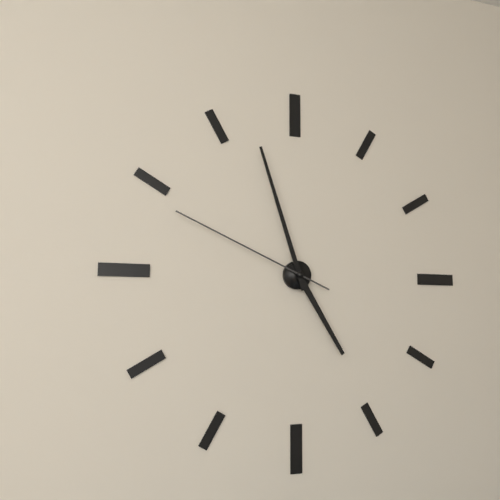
4:57:49
